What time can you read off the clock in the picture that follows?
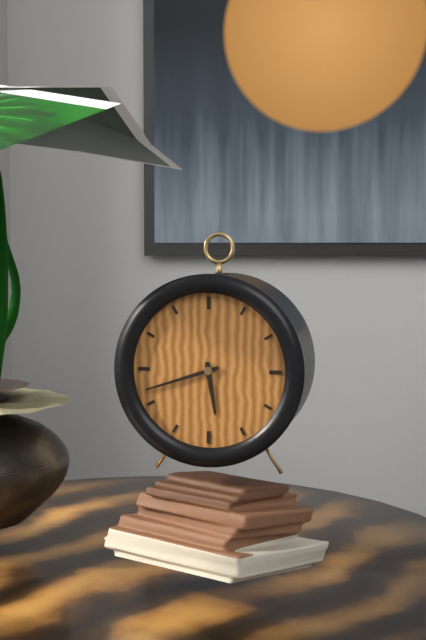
5:42
